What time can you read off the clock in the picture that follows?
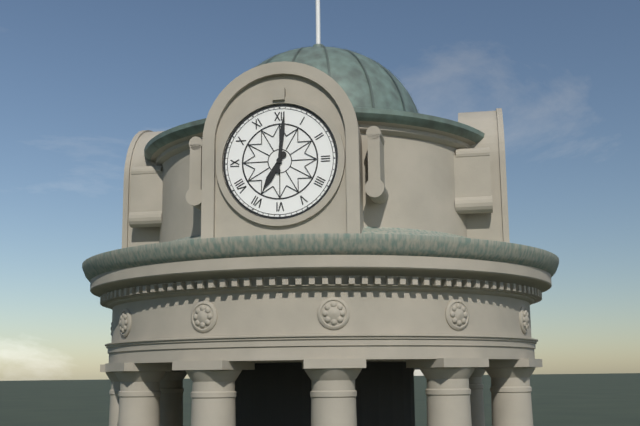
7:01
